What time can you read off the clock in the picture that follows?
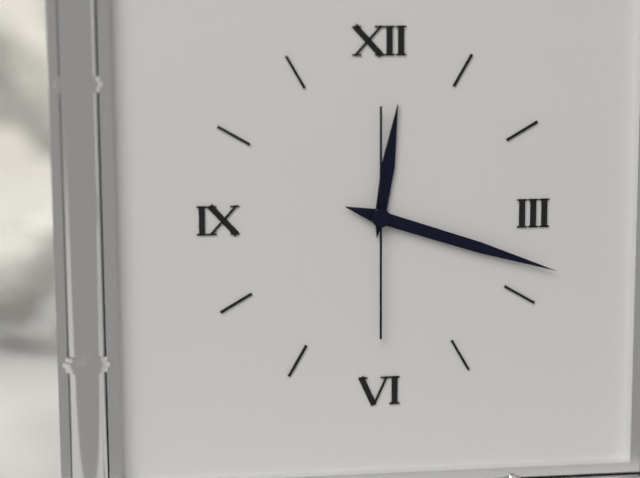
12:18:30
